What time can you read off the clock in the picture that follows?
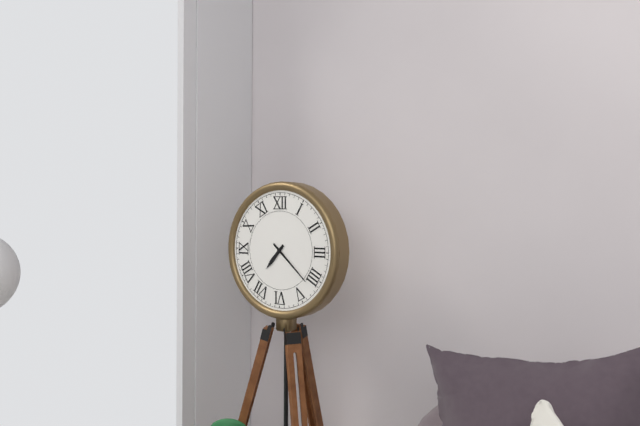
7:22
